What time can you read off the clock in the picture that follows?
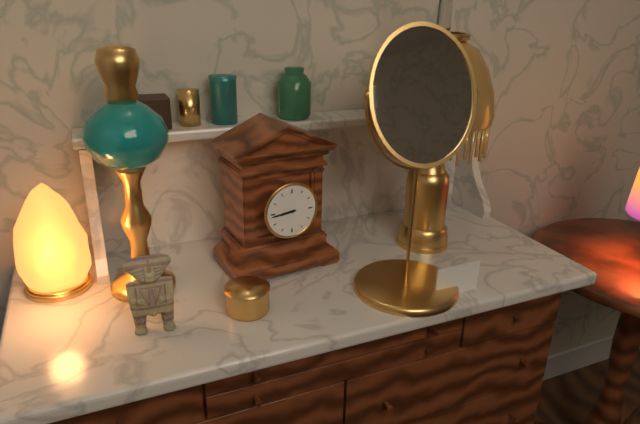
8:44
